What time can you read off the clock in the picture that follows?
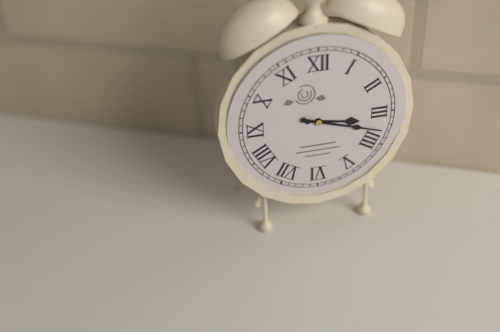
3:18
